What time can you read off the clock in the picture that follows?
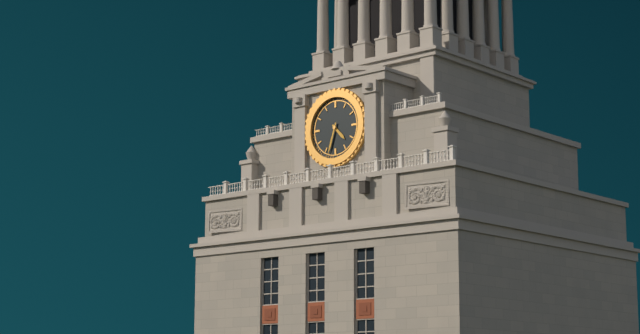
4:33
